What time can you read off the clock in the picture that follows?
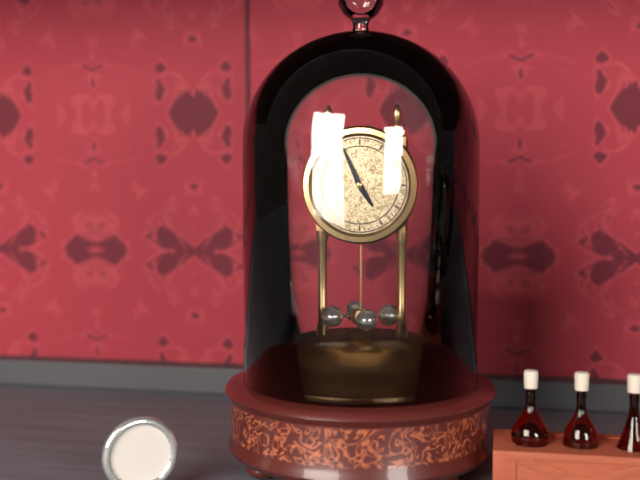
4:56
